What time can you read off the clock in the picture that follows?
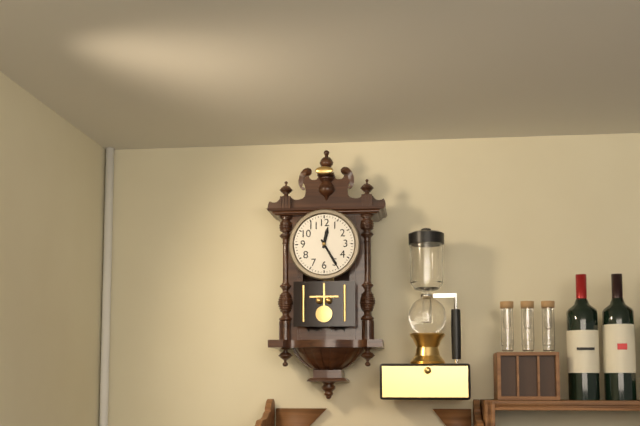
12:25
